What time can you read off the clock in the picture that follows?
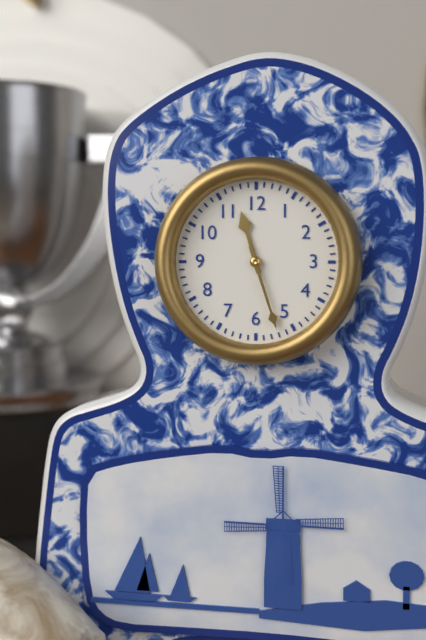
11:27
